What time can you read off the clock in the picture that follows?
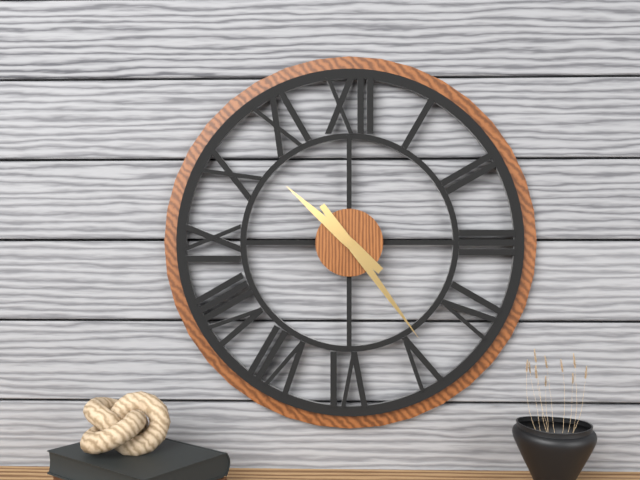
10:24
